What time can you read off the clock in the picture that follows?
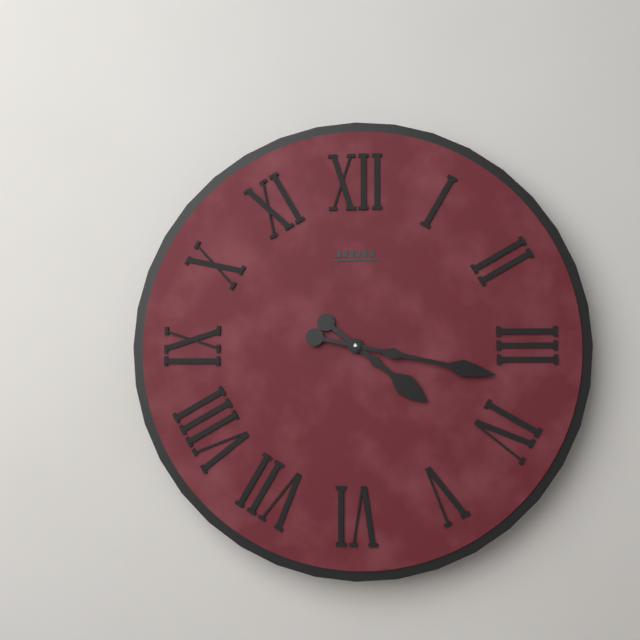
4:17
